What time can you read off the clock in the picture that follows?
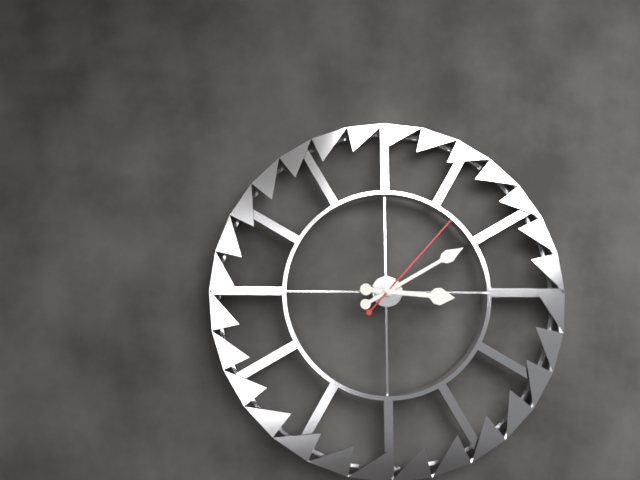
3:10:07
